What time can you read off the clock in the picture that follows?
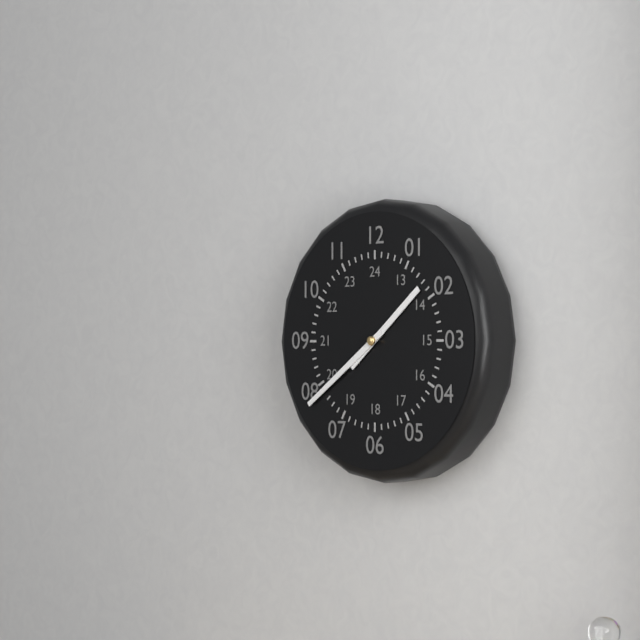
1:39
